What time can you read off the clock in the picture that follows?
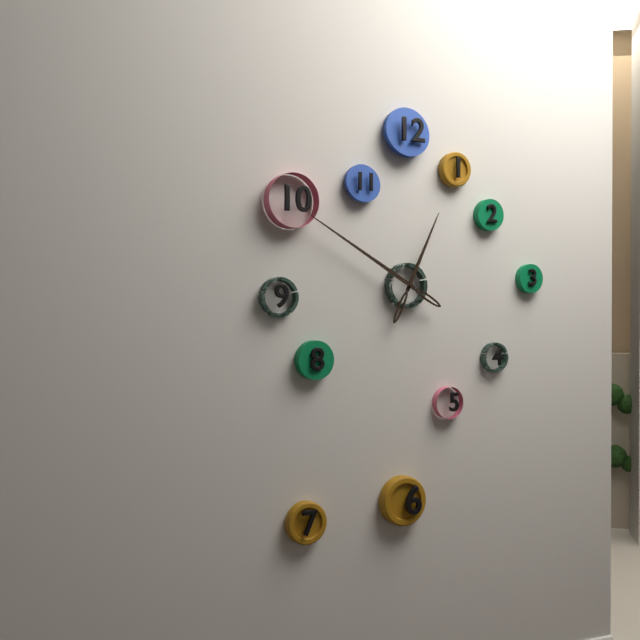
12:50
